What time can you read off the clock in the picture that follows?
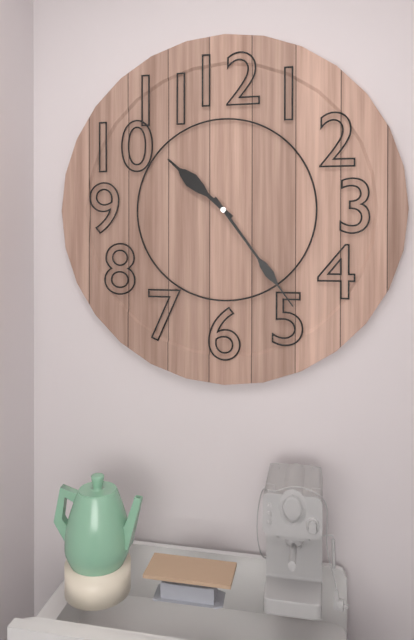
10:24
